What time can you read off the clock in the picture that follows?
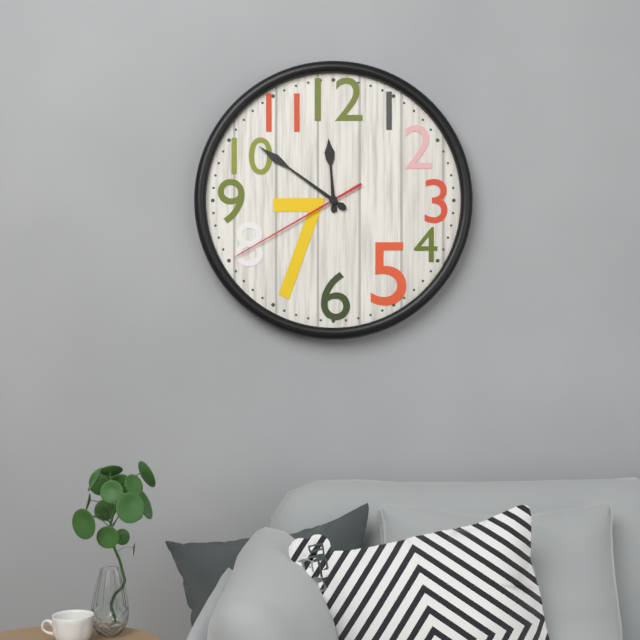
11:51:40
